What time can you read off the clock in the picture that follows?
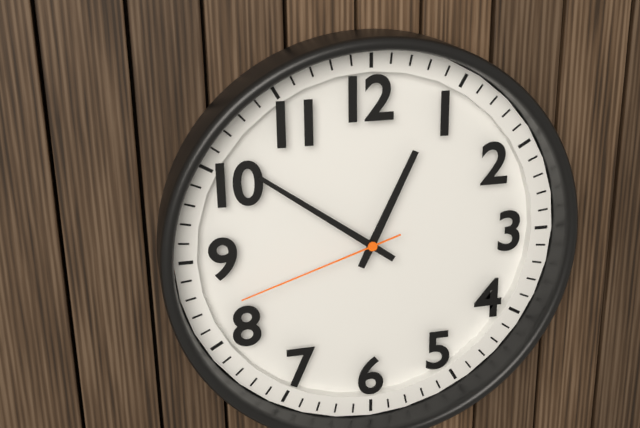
12:51:42
